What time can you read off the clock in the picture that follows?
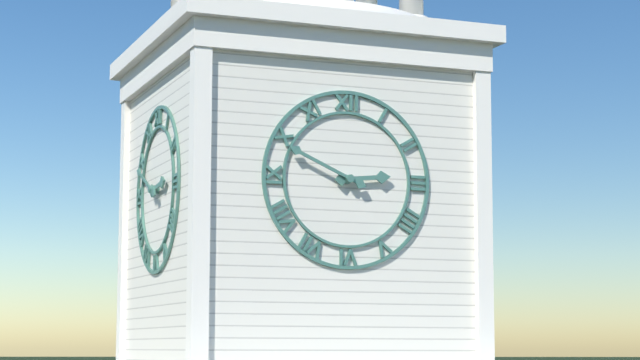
2:49
